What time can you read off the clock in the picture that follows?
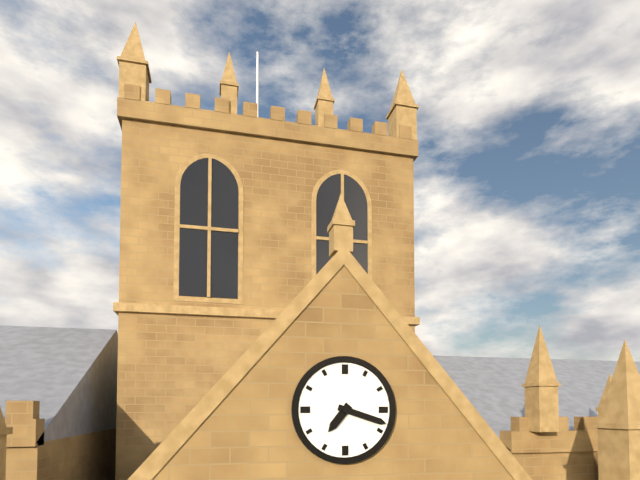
7:18
